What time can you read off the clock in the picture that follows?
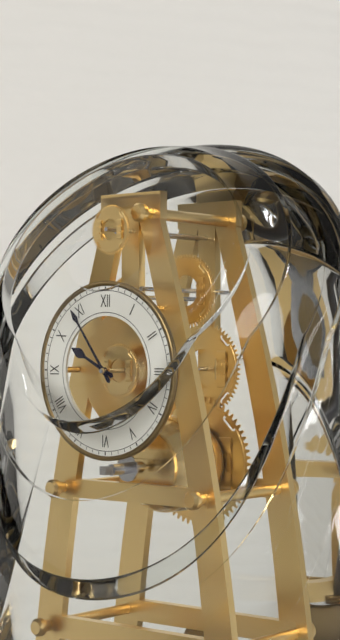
9:54
